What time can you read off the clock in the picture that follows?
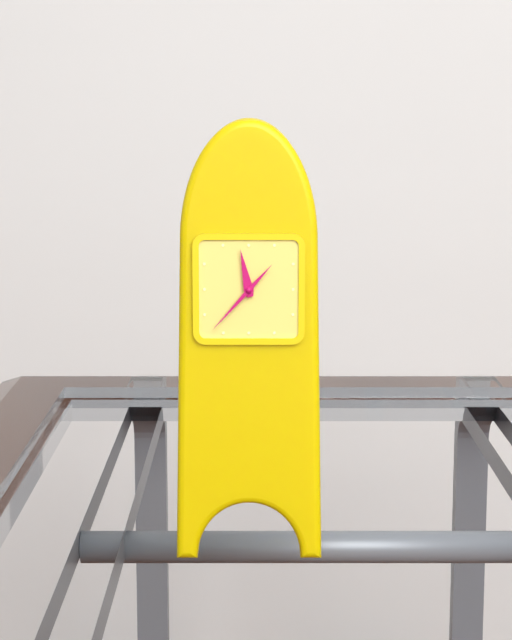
11:37
